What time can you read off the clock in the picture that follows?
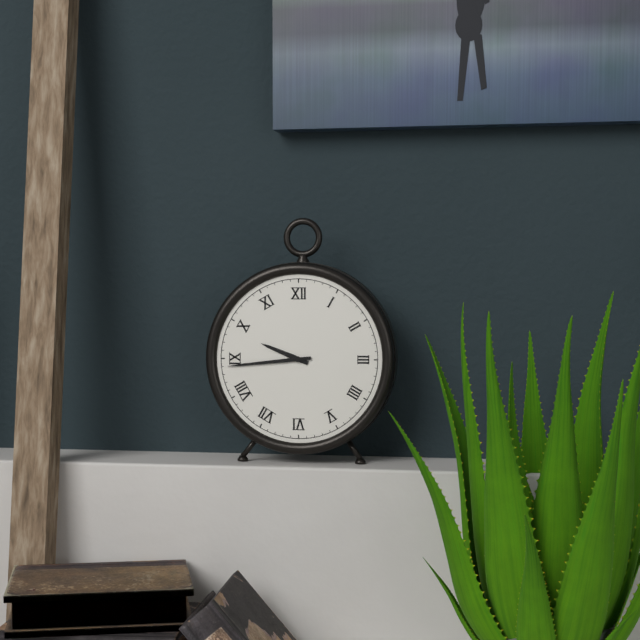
9:44
